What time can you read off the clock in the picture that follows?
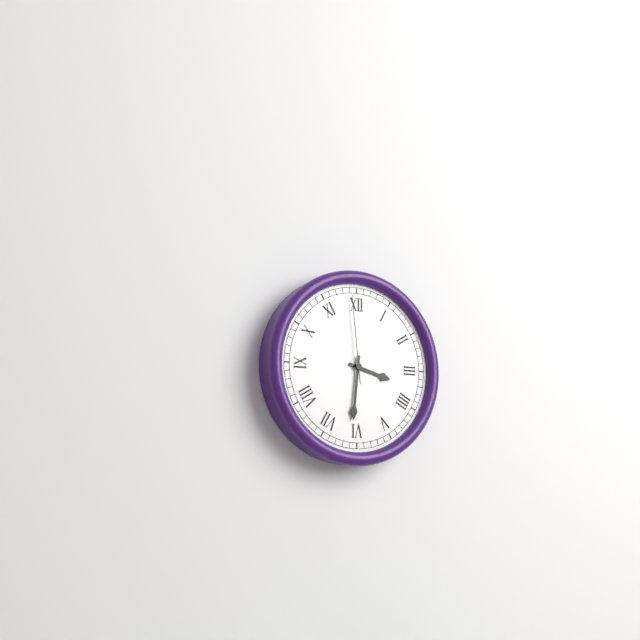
3:31:59
